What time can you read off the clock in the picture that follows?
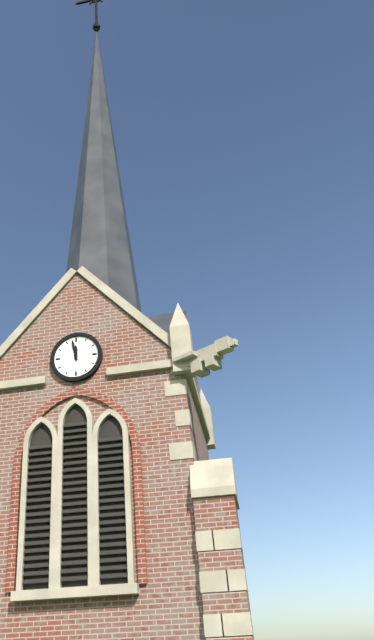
11:58
